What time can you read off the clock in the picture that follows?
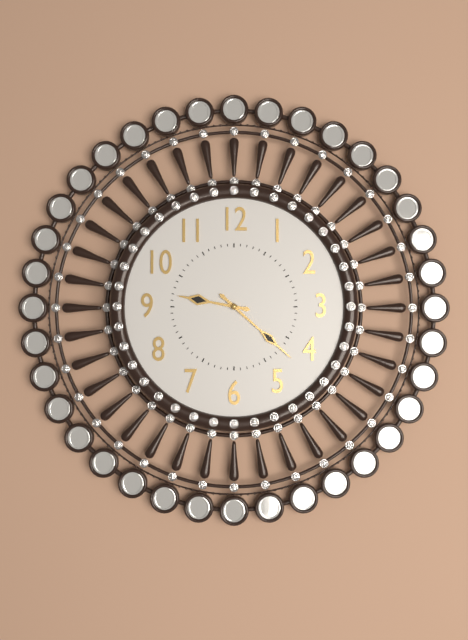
9:22
